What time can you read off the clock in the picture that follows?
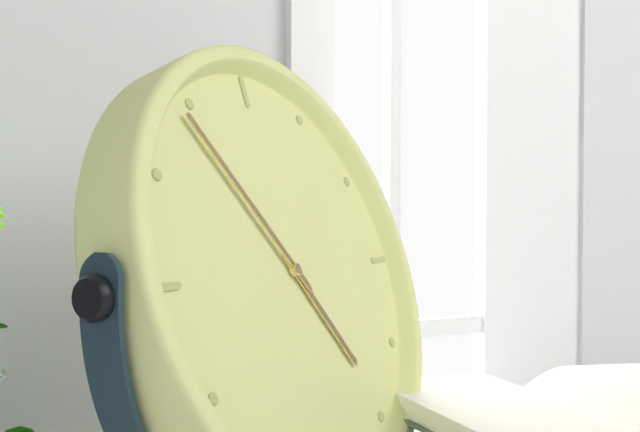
4:54
